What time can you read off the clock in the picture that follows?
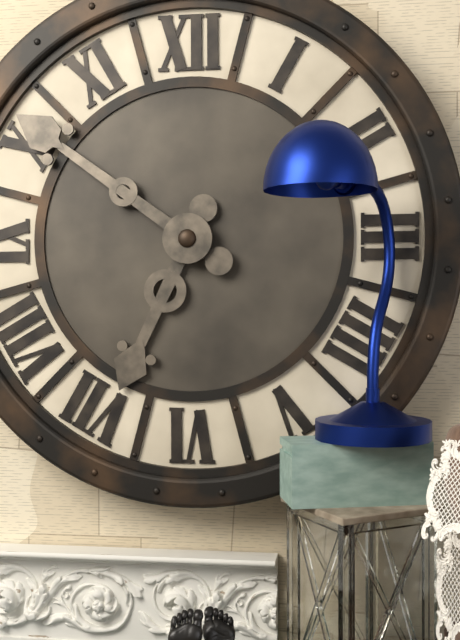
6:51
